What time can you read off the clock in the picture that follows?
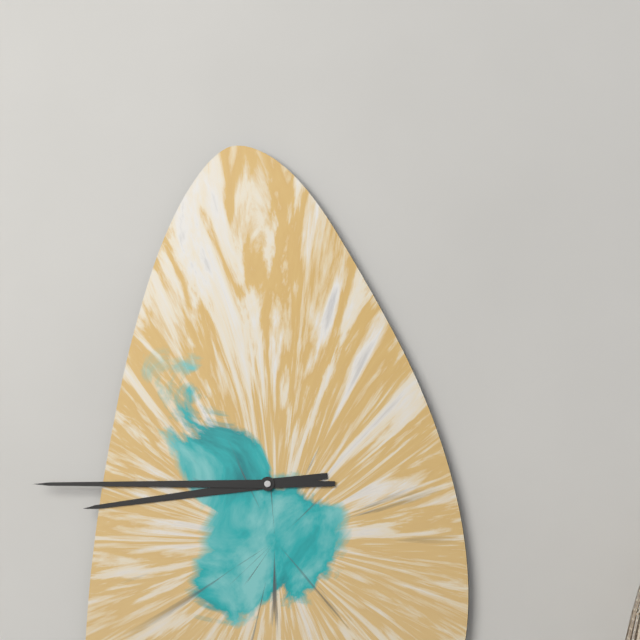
8:45
